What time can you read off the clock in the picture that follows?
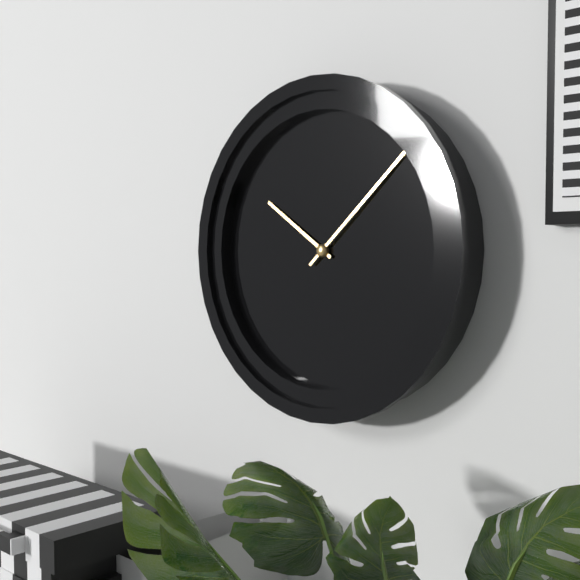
10:08
